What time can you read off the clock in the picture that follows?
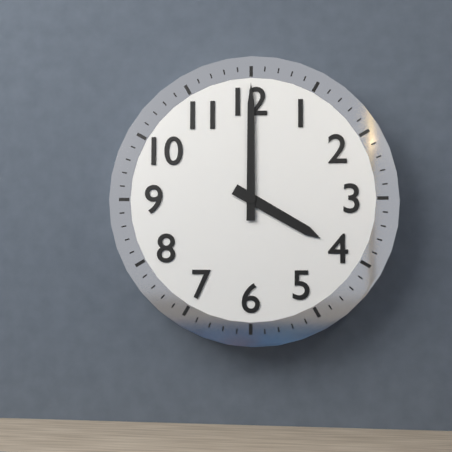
4:00
